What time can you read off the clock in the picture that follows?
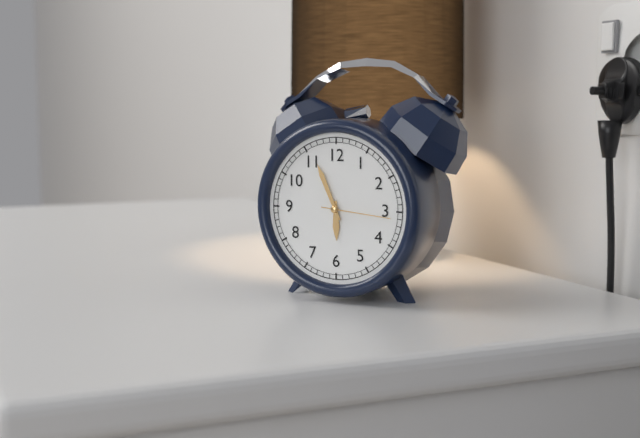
5:56:16
